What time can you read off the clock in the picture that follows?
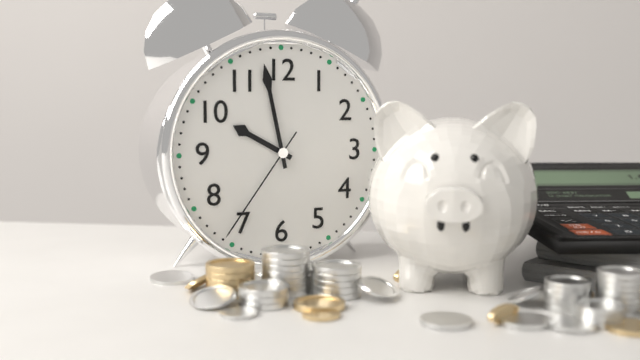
9:58:36
